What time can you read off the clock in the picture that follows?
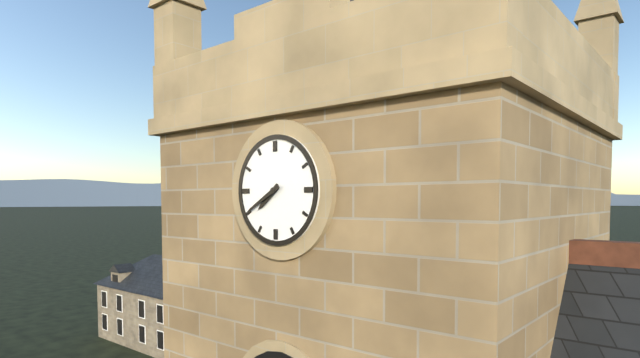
7:40
